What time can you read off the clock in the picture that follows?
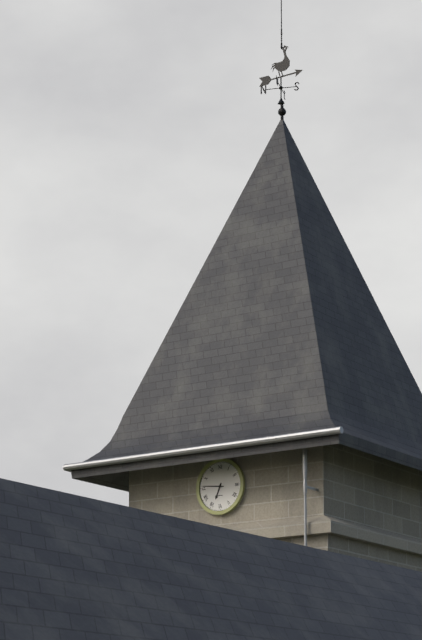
6:46
